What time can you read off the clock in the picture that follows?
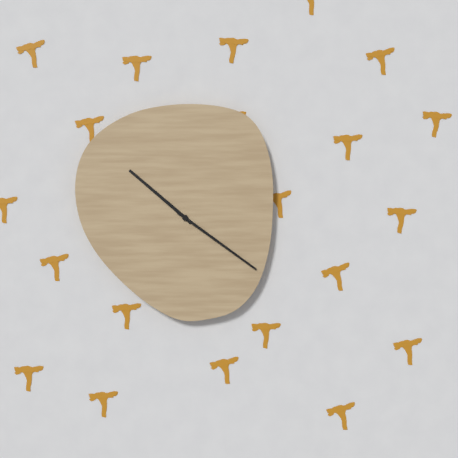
10:21
